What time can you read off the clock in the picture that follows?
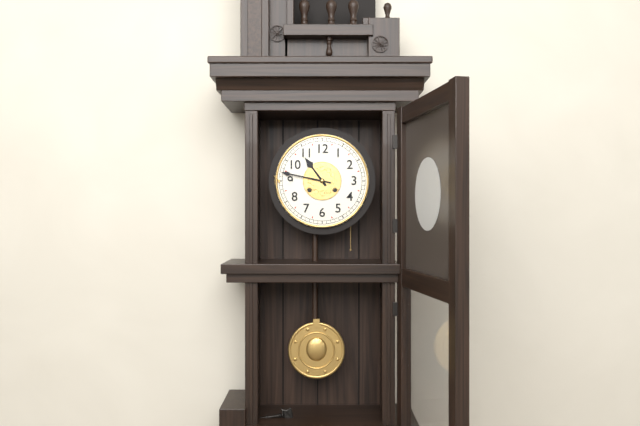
10:47
